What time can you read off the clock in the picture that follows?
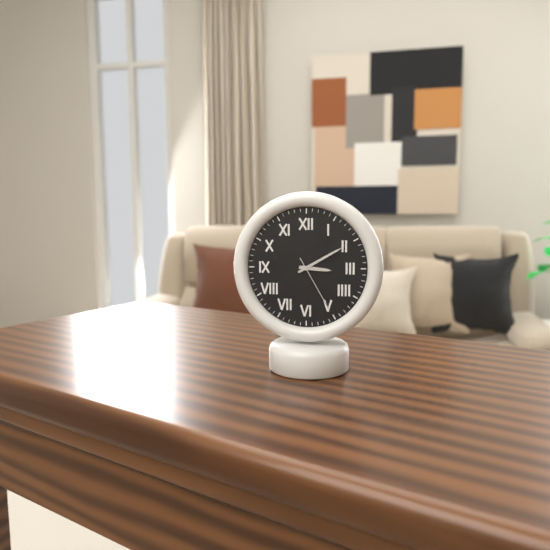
3:10:25
